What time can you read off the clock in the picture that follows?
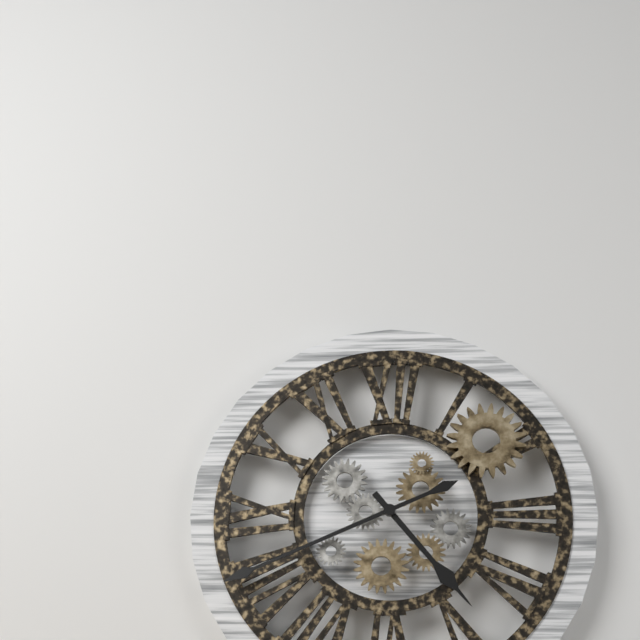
4:41
